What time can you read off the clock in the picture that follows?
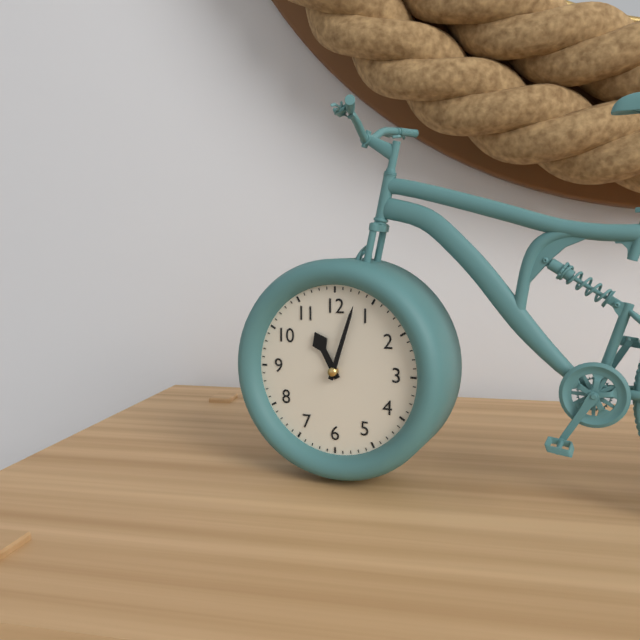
11:03
